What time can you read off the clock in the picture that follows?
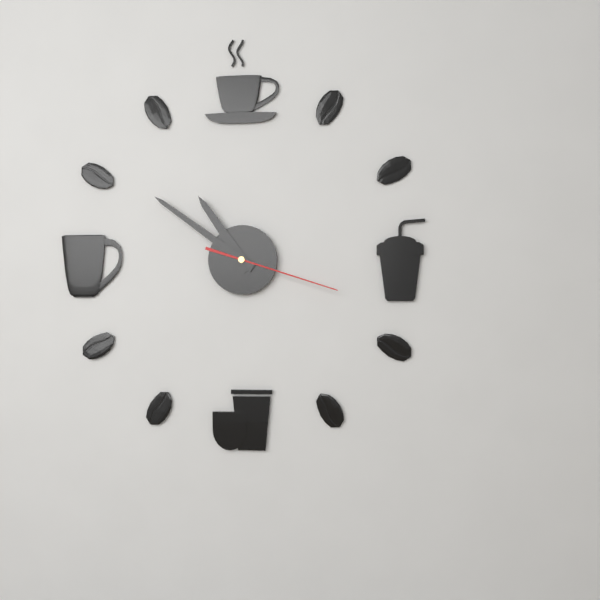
10:51:18
